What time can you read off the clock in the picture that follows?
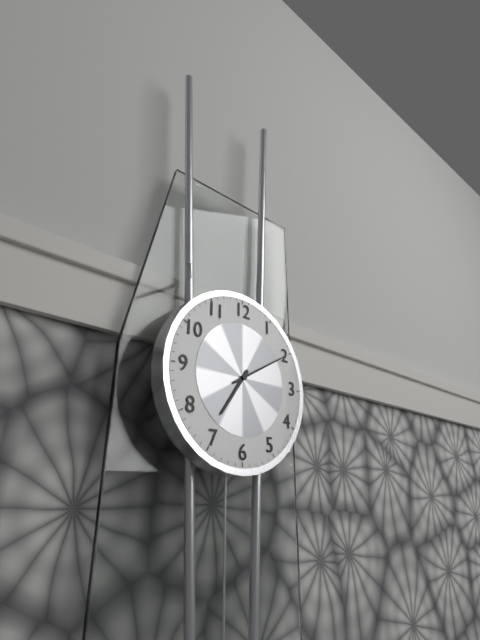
7:10
